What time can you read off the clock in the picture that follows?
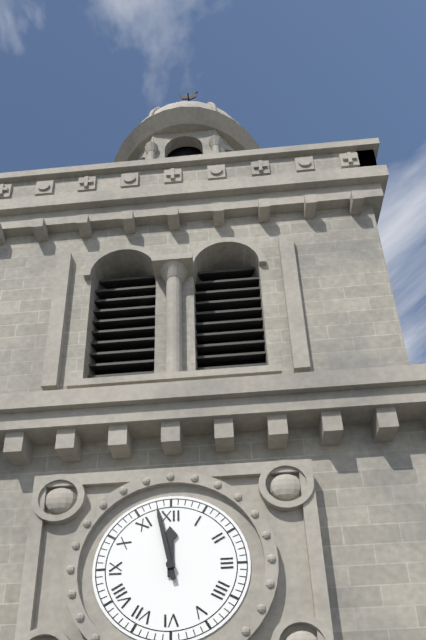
11:58
